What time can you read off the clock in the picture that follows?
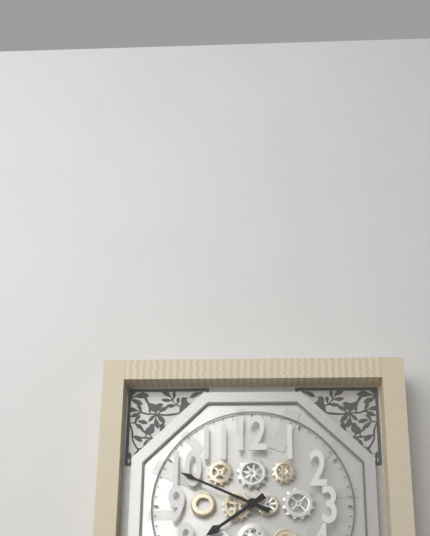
7:49
